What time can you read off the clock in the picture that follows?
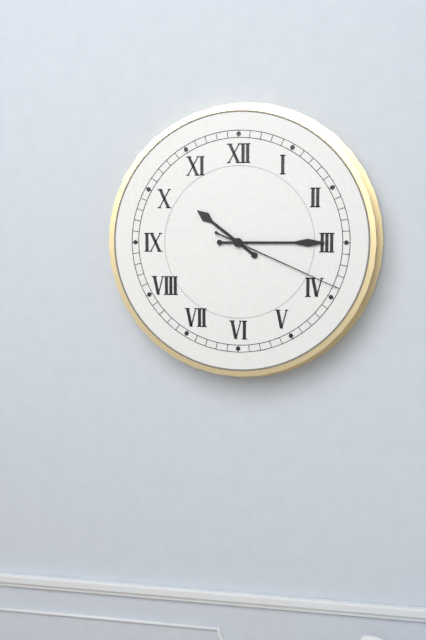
10:15:19
